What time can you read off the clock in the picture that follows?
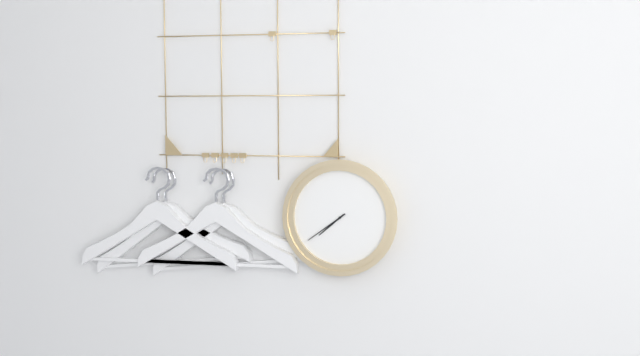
7:39
